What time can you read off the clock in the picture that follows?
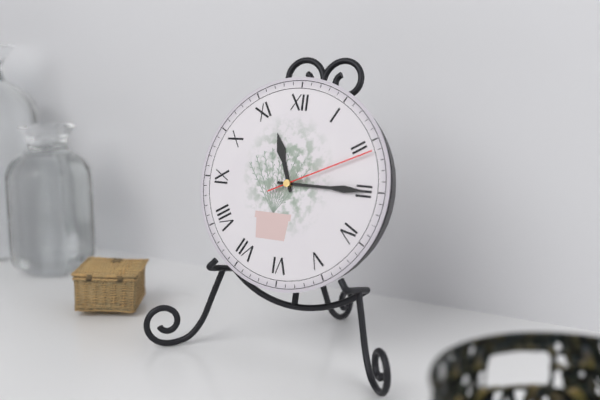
11:15:11
